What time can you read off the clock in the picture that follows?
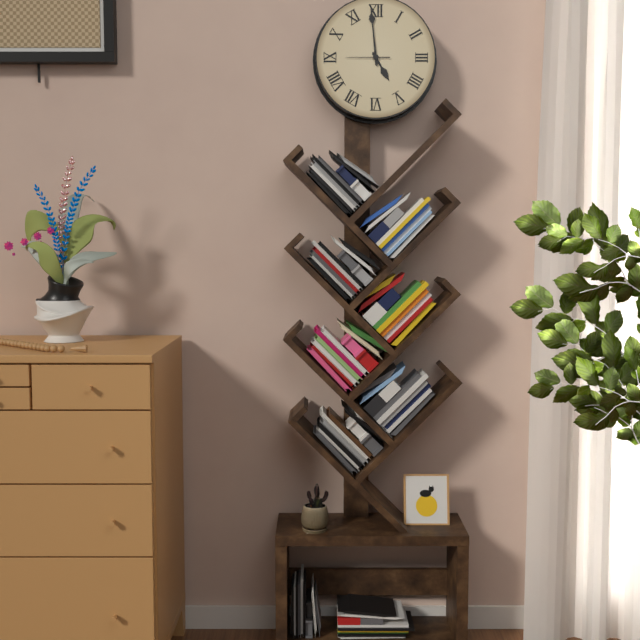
4:59
